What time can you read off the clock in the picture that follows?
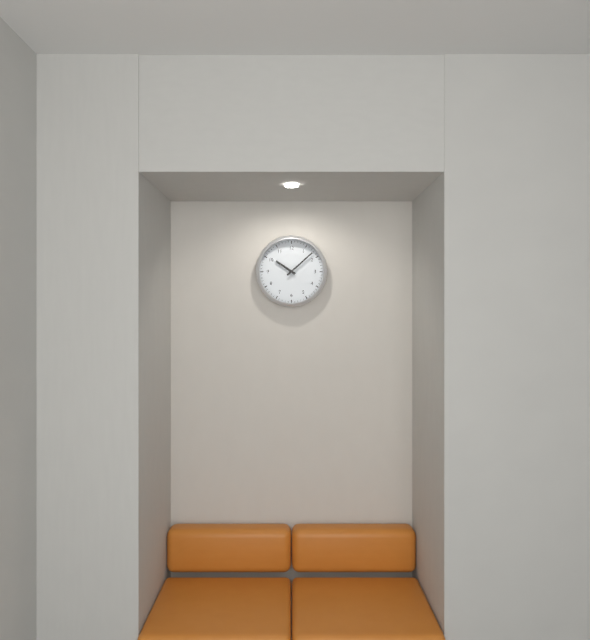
10:08
